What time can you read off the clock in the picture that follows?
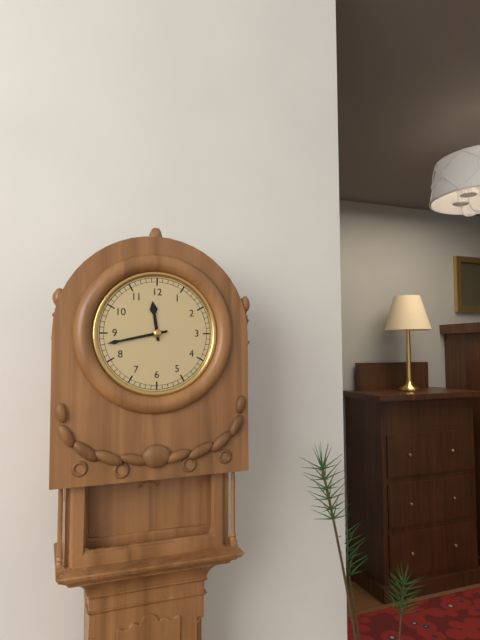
11:43
